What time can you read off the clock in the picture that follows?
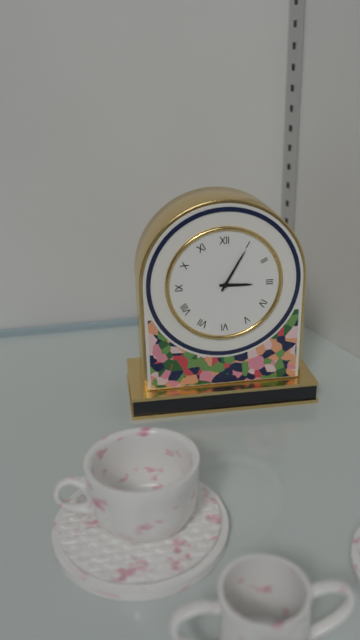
3:05
